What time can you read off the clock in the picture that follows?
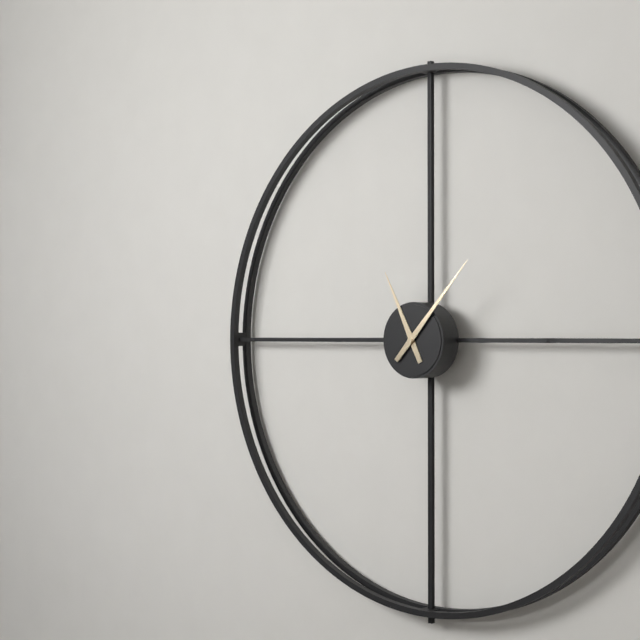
11:07
